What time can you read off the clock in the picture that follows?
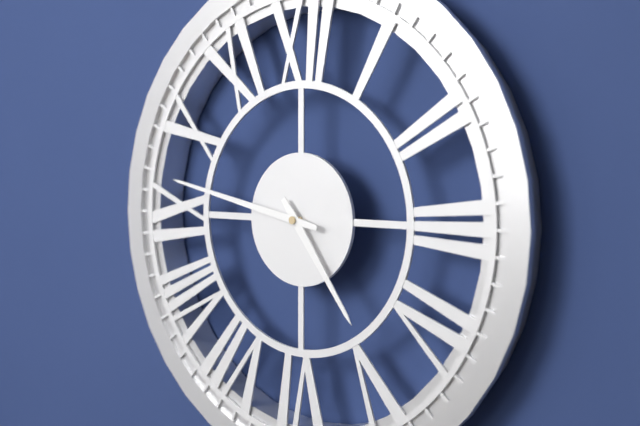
4:47
